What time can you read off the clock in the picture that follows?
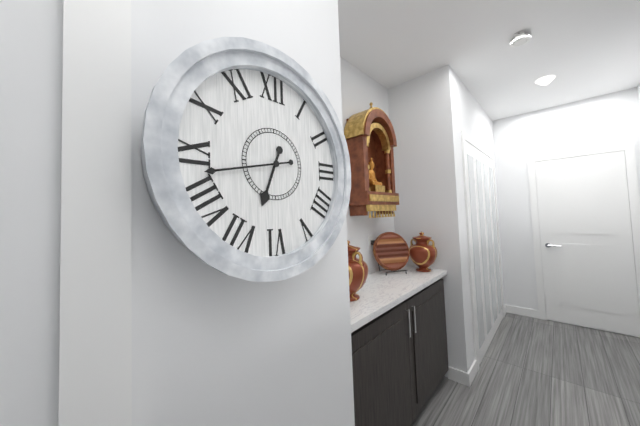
6:43
